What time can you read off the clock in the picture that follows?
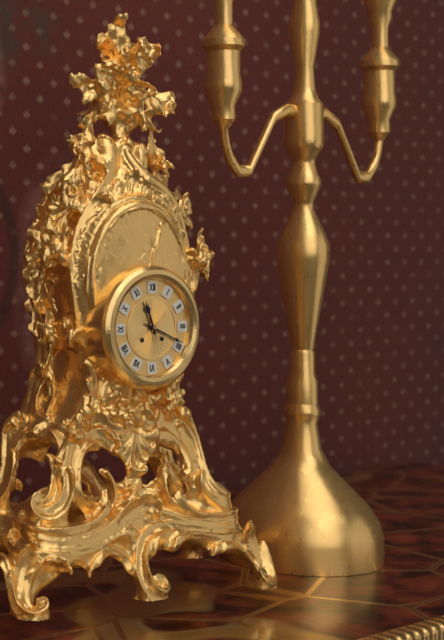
11:19
